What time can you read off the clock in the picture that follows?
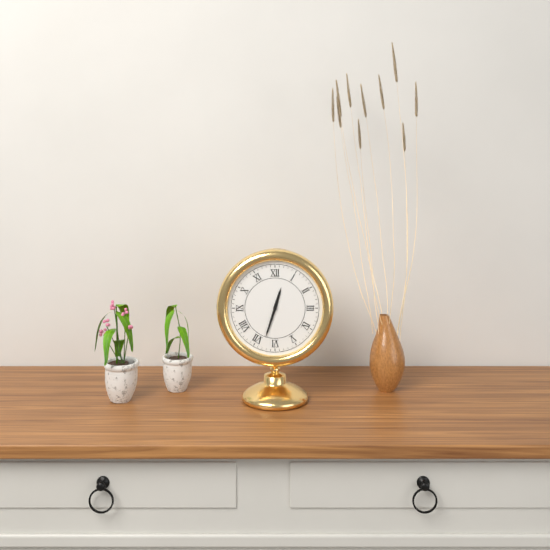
12:33
